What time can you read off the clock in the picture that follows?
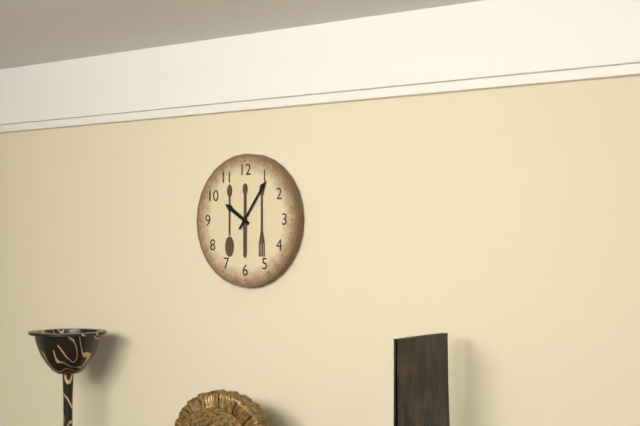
10:06
